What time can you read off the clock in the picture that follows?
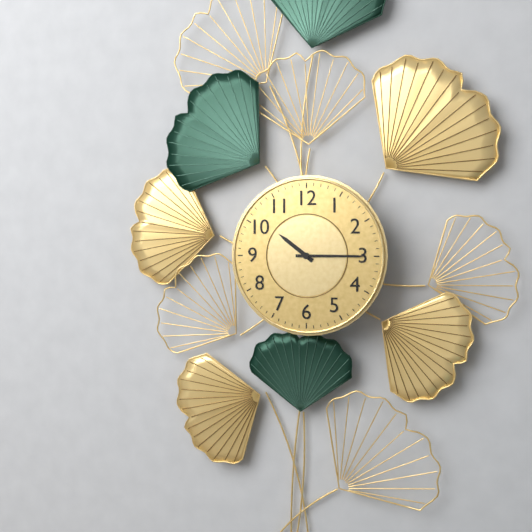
10:15
